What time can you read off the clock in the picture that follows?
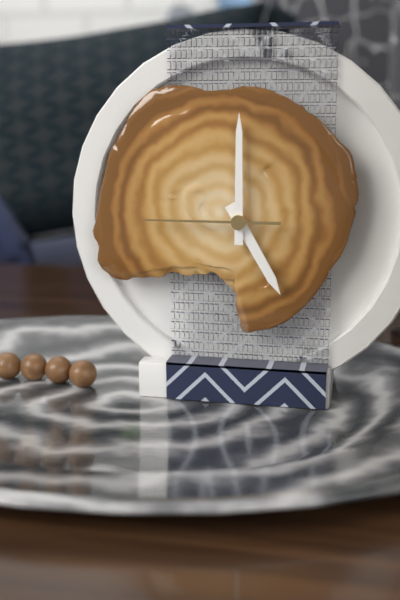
5:00:45
